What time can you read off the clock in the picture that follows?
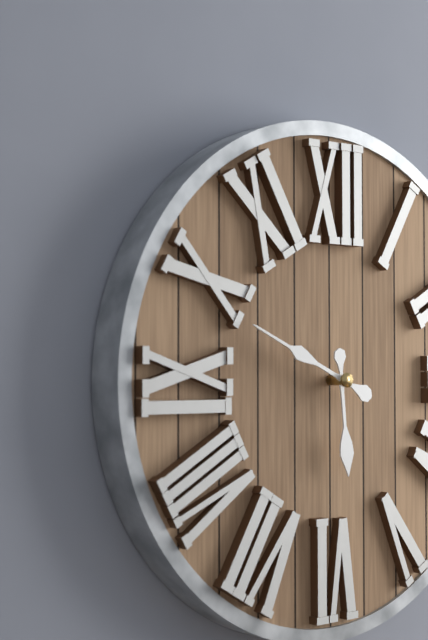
5:49
